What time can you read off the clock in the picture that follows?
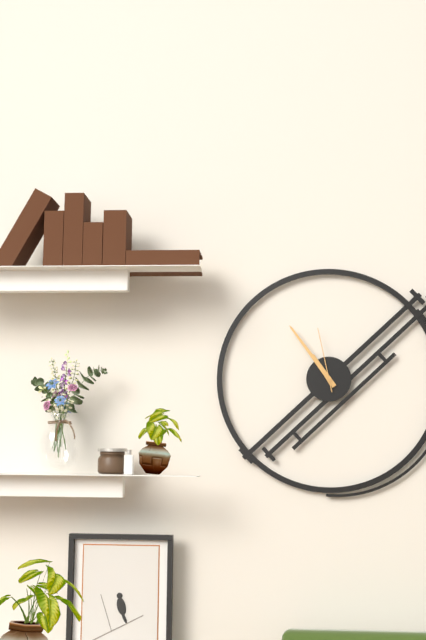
10:54:58
